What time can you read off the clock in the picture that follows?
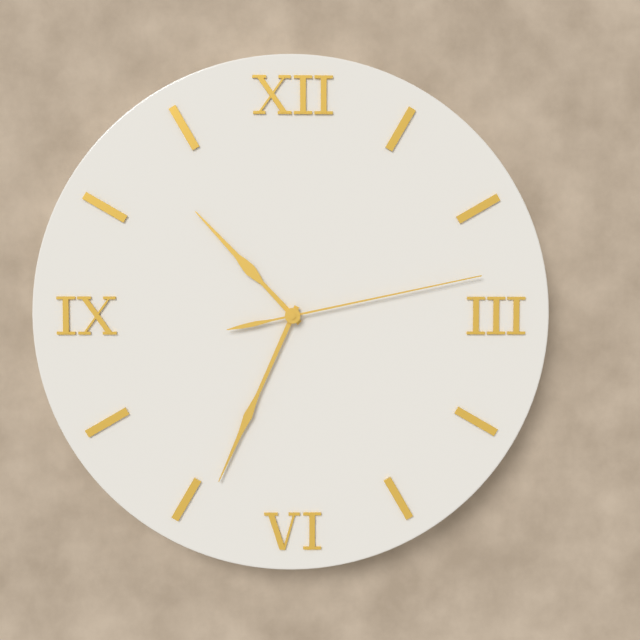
10:34:13
